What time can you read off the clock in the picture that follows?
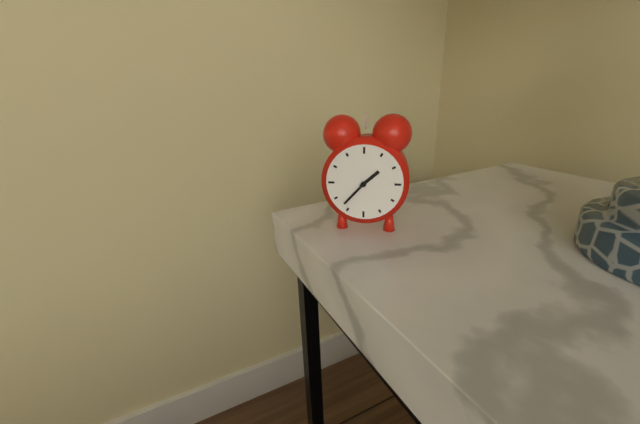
1:37
